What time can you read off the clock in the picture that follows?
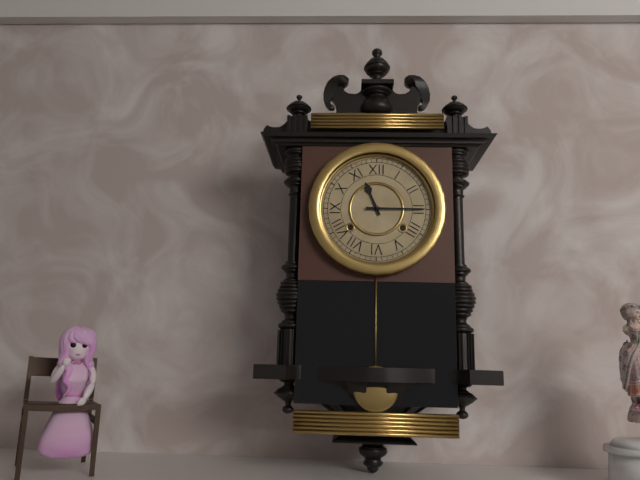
11:15
